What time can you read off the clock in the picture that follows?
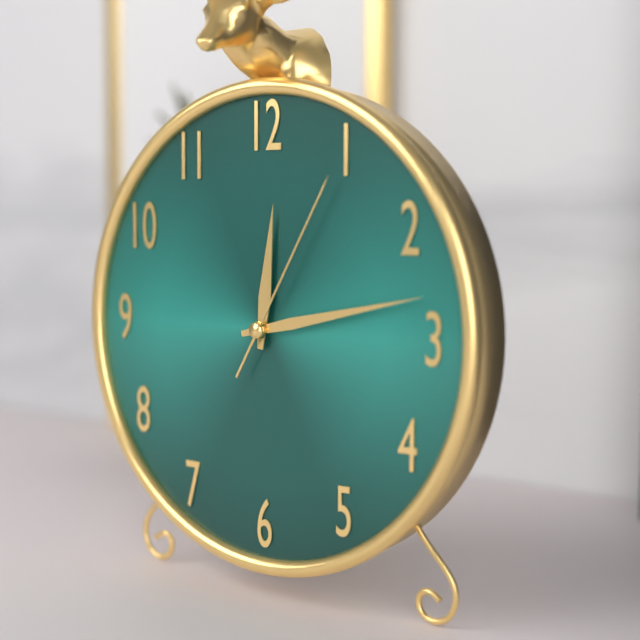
12:13:05
